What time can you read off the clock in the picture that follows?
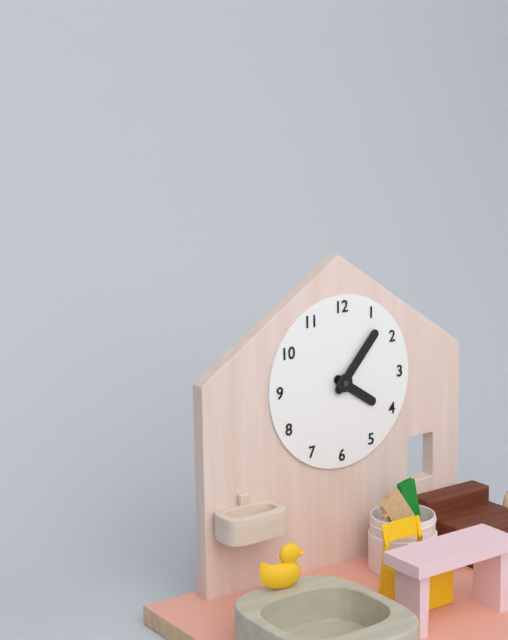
4:07
